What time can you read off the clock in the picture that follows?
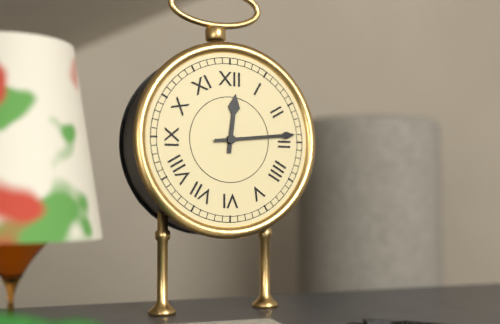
12:14
